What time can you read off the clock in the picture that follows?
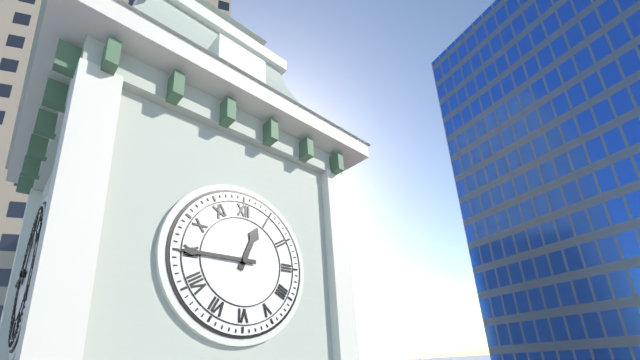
12:45
